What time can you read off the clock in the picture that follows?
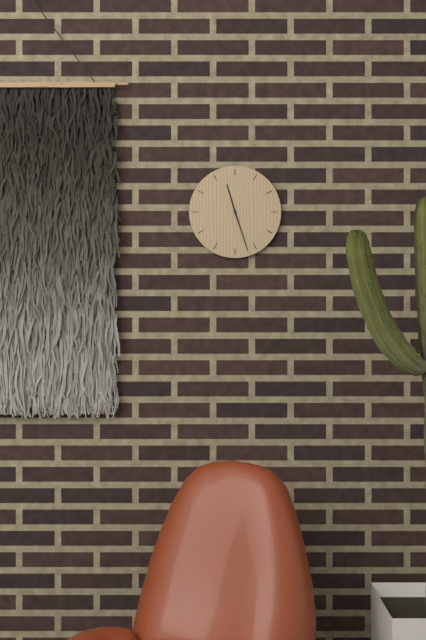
11:27
